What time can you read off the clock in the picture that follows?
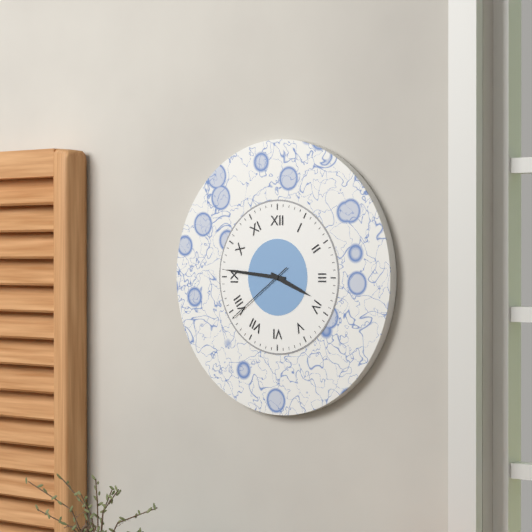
3:46:39
